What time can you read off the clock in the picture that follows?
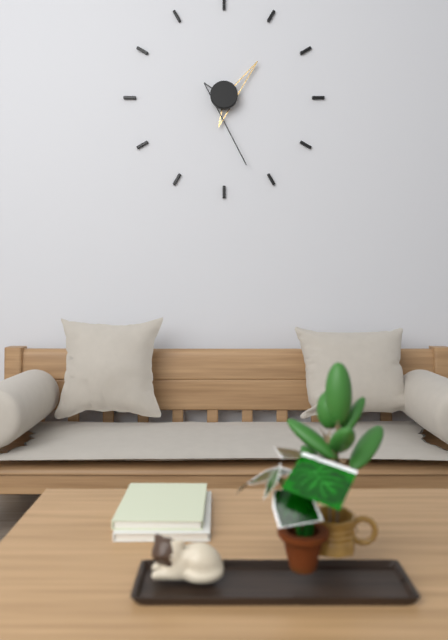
1:27
